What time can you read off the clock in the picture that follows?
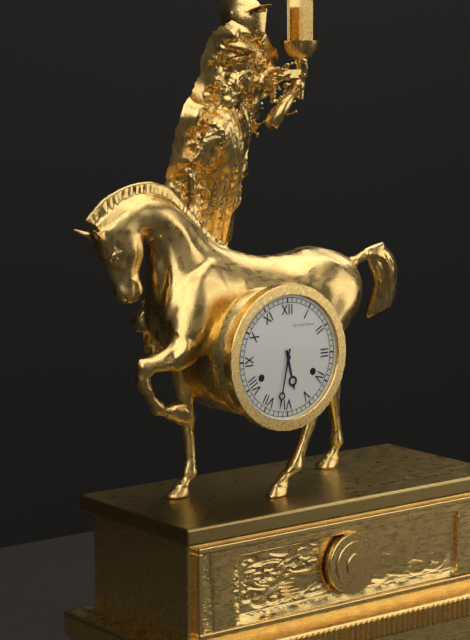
5:32
